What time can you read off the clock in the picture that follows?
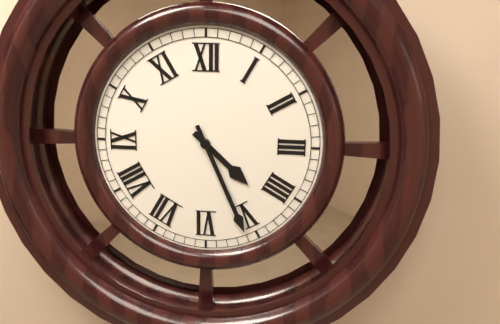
4:26
